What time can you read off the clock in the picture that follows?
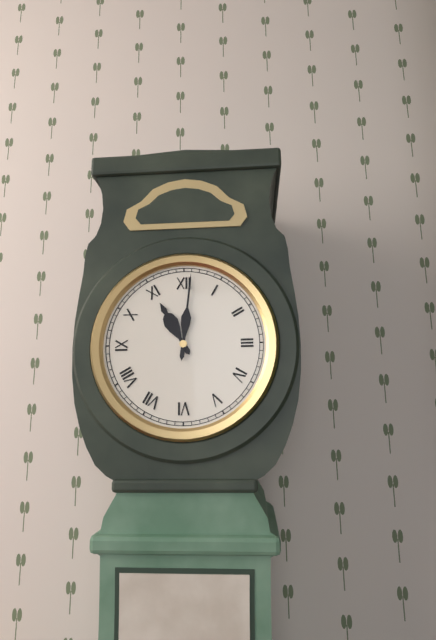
11:01
